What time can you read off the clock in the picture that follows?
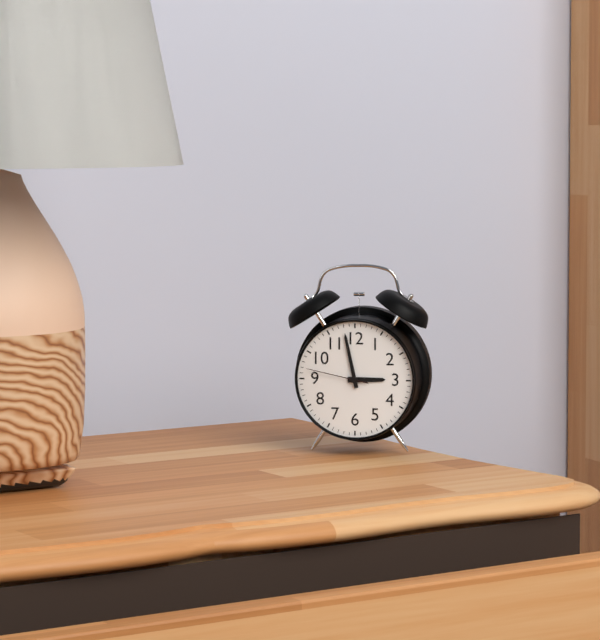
2:58:47
